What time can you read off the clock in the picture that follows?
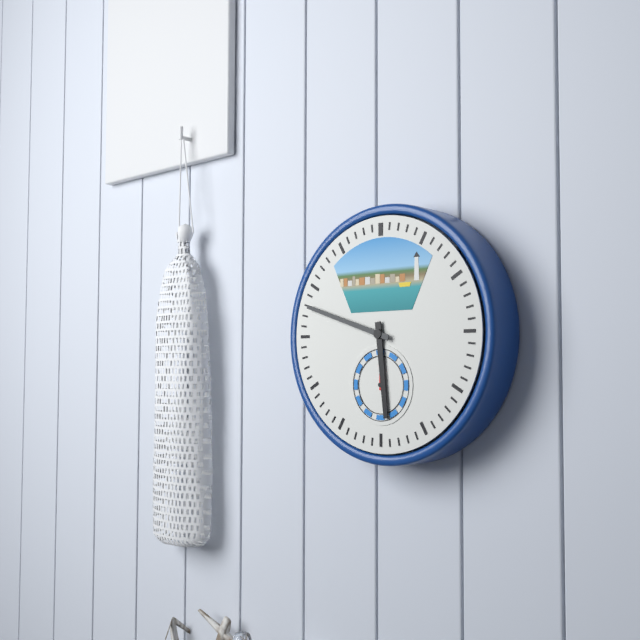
5:48
